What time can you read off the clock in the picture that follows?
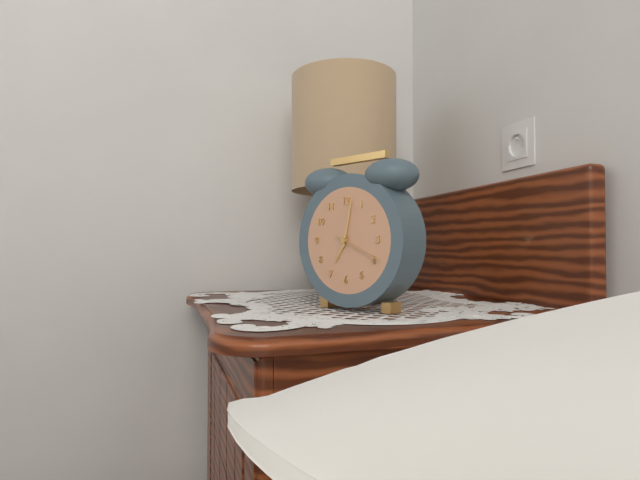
7:02:19
